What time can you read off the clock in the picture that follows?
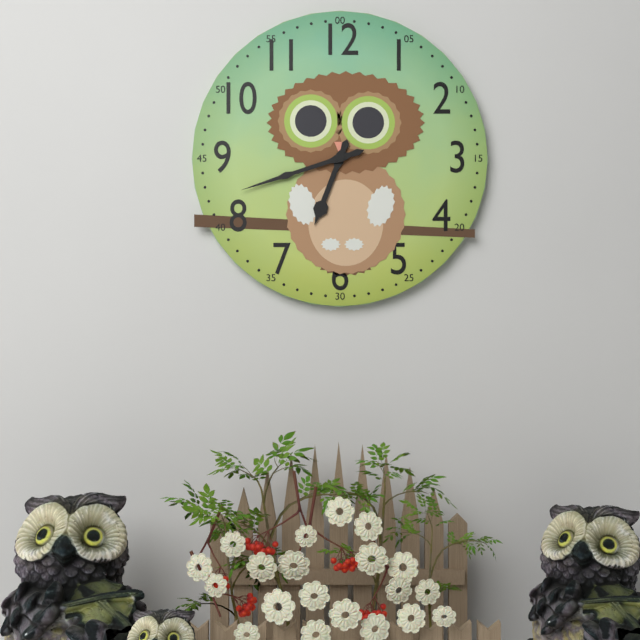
6:42
